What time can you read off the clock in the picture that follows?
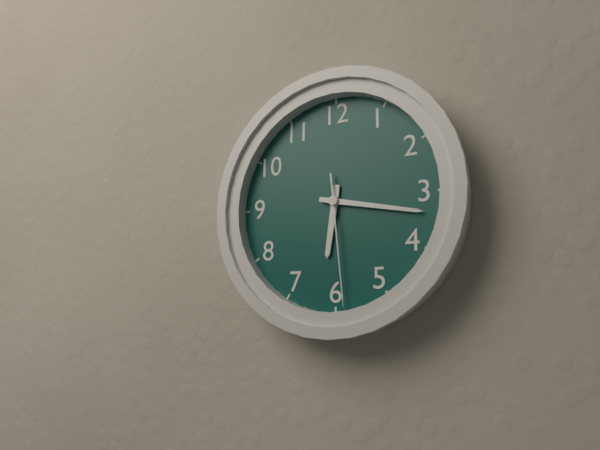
6:17:29
